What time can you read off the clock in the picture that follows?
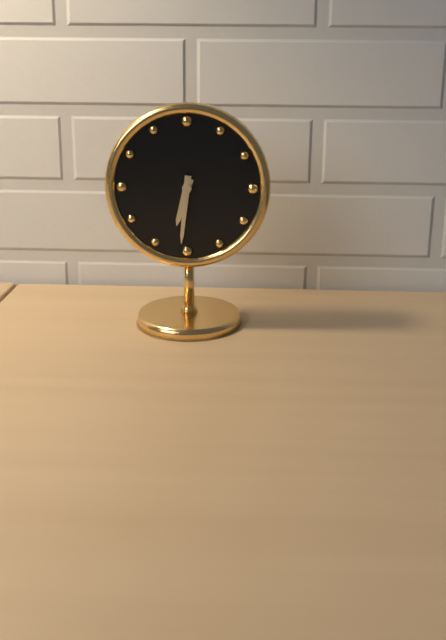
6:31
